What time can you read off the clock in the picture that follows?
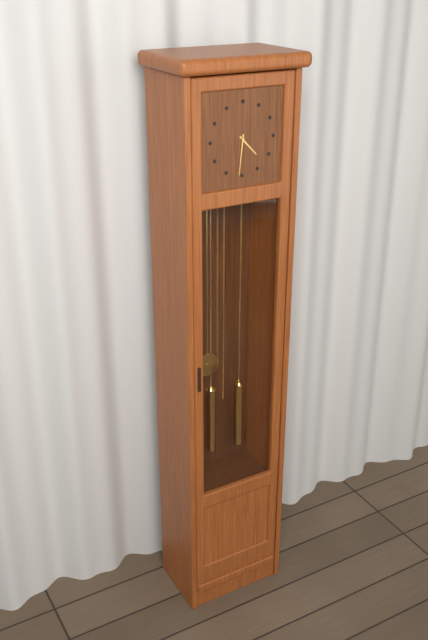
4:31
